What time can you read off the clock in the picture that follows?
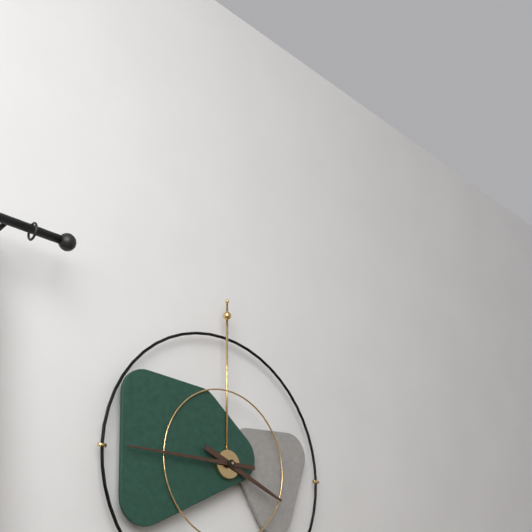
3:45
